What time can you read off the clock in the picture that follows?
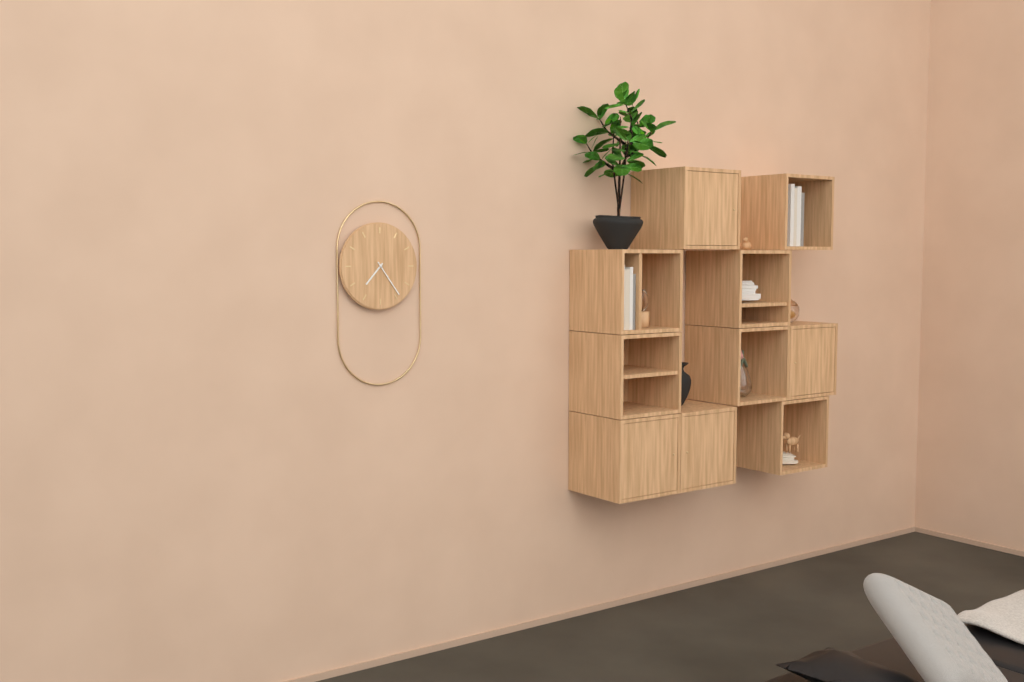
7:24
